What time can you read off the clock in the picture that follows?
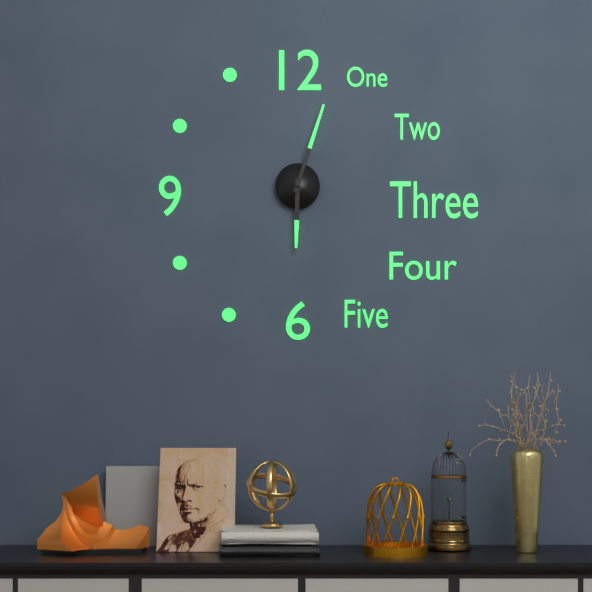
6:03
